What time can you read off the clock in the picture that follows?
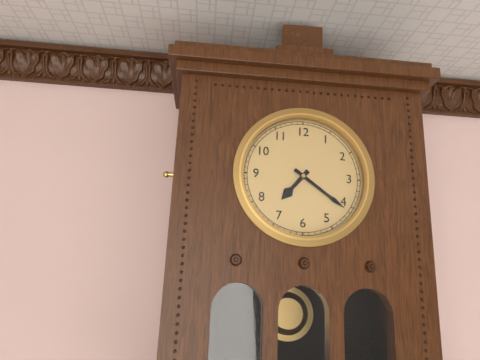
7:21
